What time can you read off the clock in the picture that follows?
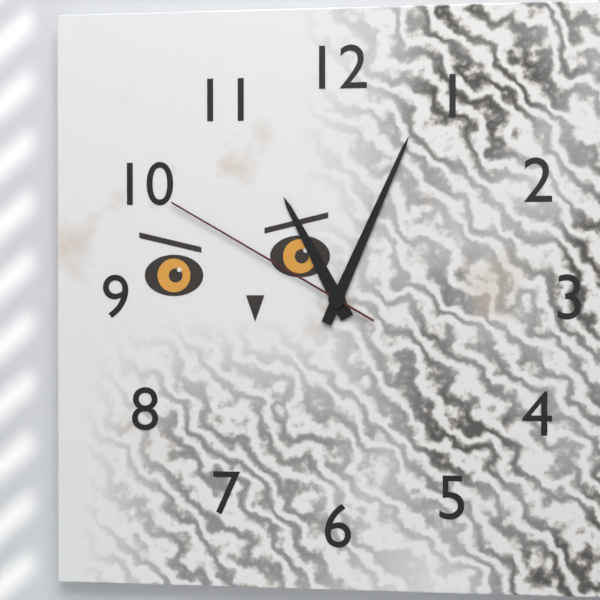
11:04:50
